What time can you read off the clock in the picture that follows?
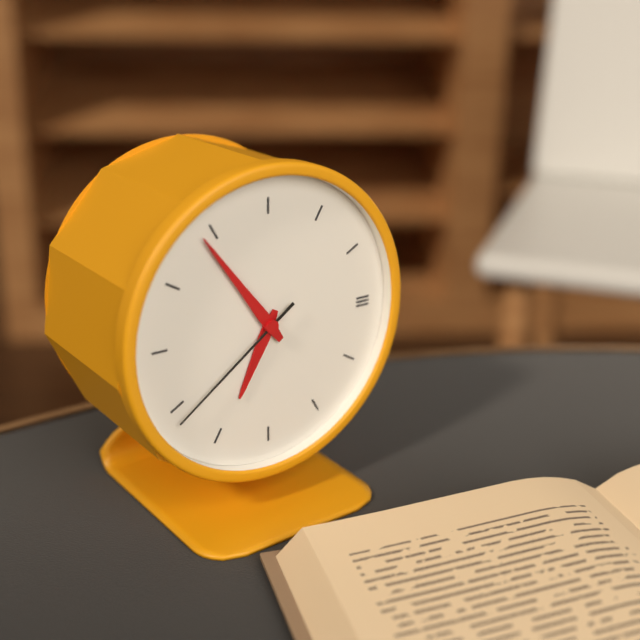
6:54:39
